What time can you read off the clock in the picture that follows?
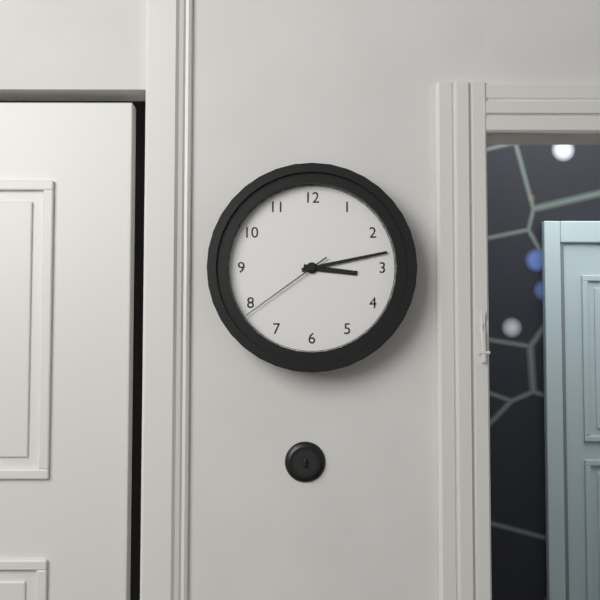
3:13:39
